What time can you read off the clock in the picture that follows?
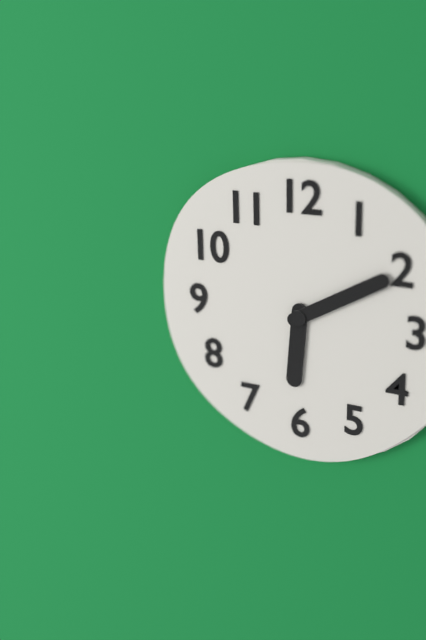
6:10
